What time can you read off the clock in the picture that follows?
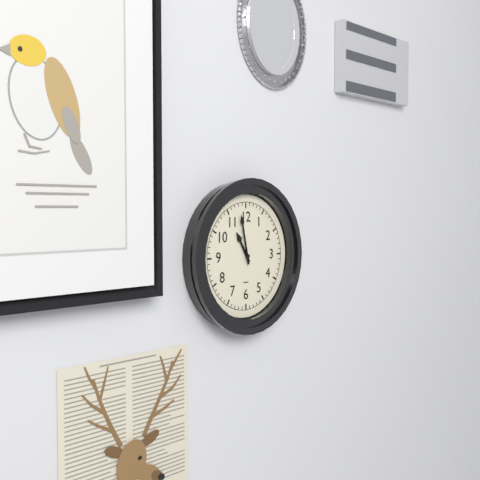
10:58
